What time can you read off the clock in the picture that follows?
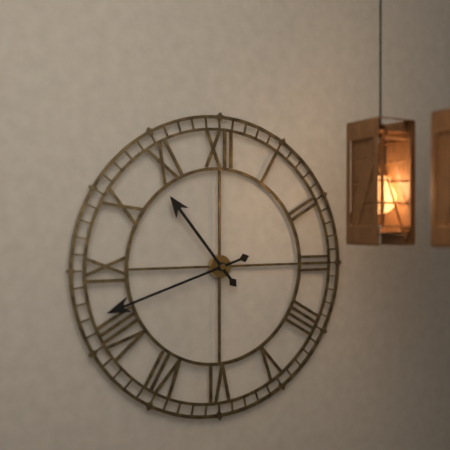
10:42
